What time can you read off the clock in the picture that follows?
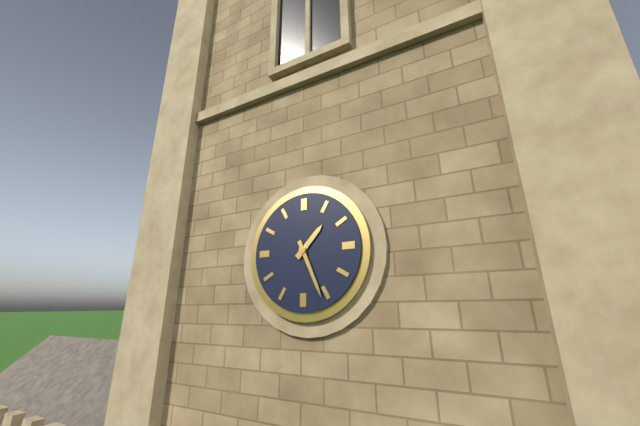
1:26
